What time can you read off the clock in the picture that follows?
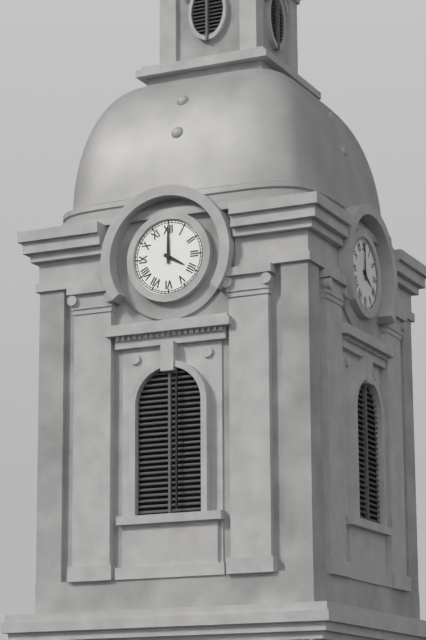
4:00
